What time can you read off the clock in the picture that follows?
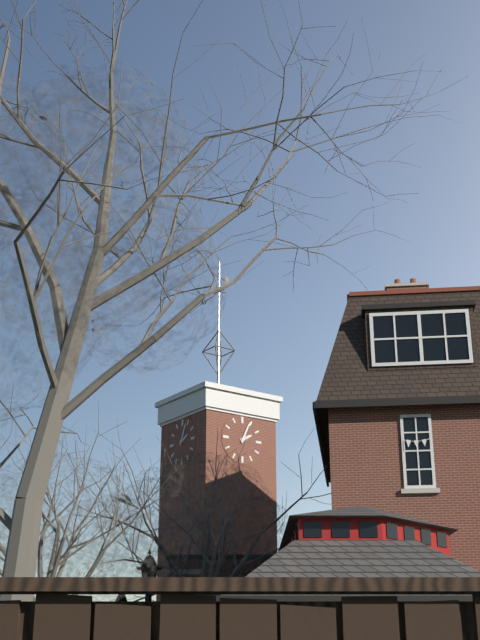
2:04
